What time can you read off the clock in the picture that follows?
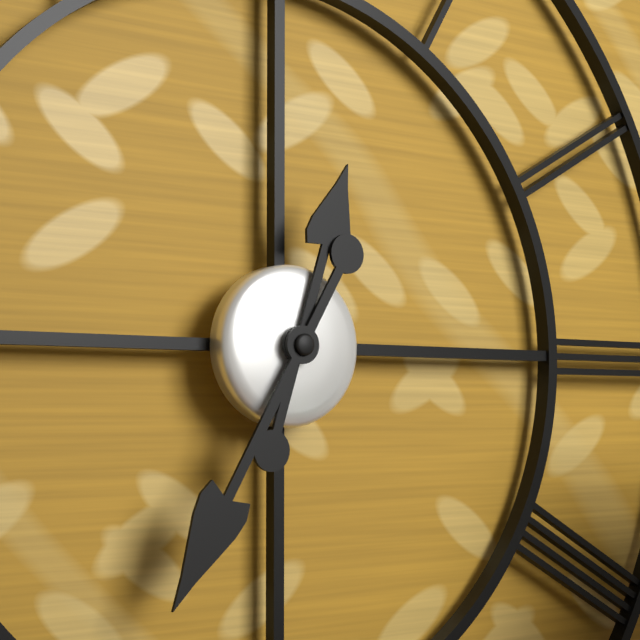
12:35
